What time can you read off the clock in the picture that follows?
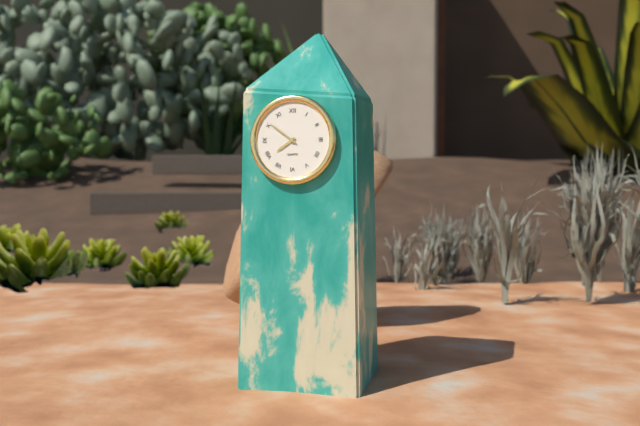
7:51
